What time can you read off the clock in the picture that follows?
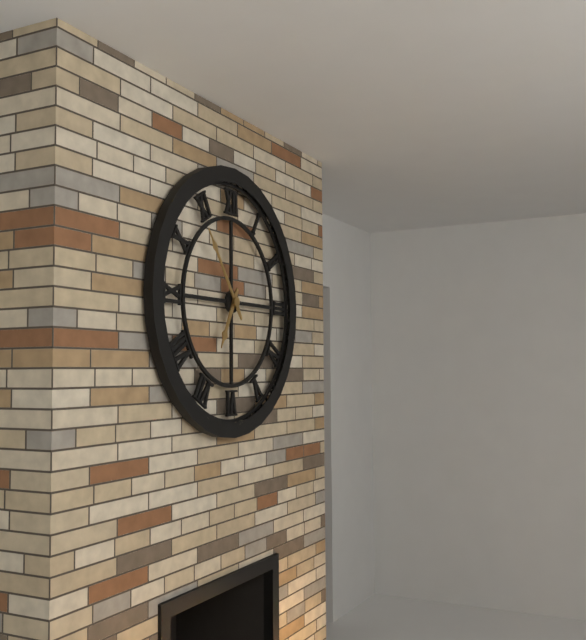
6:54
